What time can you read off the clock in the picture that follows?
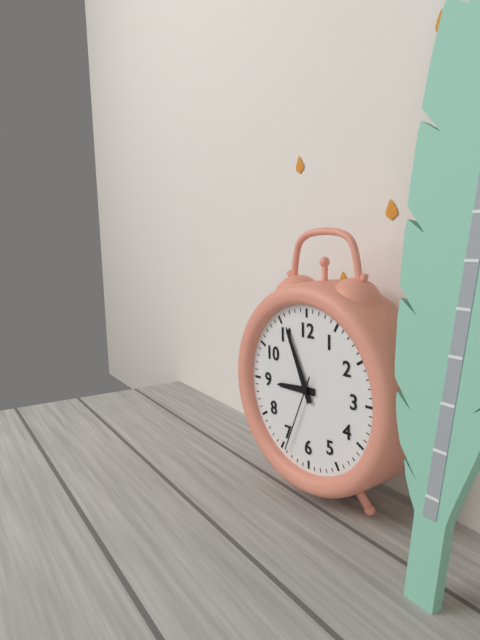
8:56:34
